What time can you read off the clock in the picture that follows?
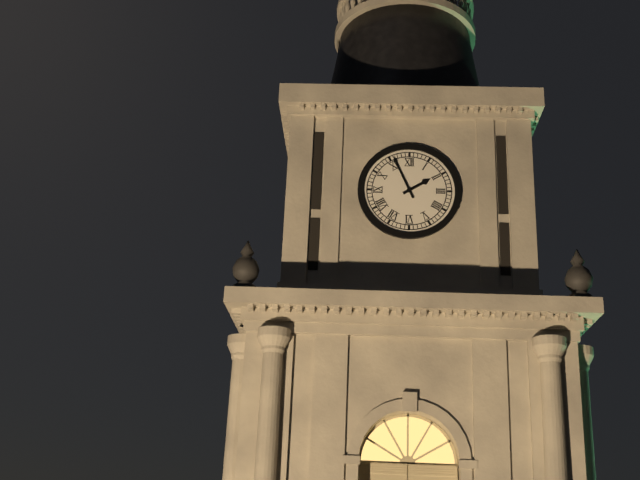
1:56
